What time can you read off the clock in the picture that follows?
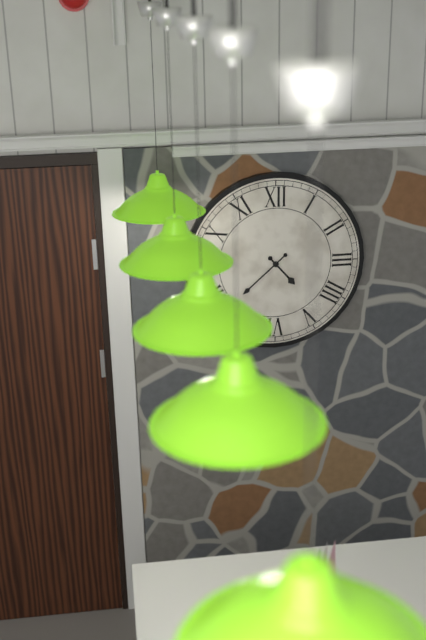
4:38
